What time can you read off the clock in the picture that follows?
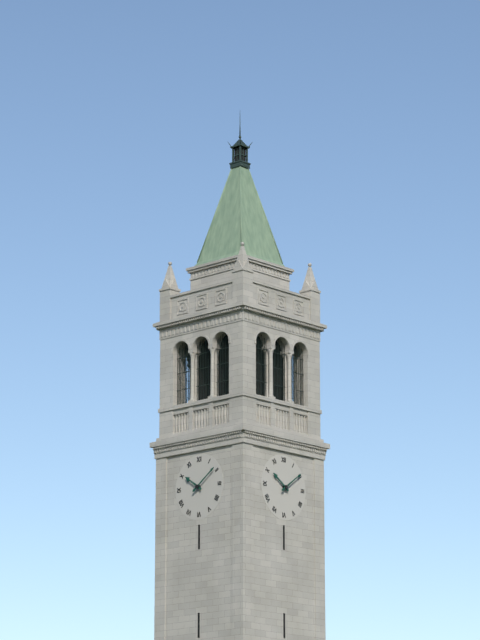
10:09
